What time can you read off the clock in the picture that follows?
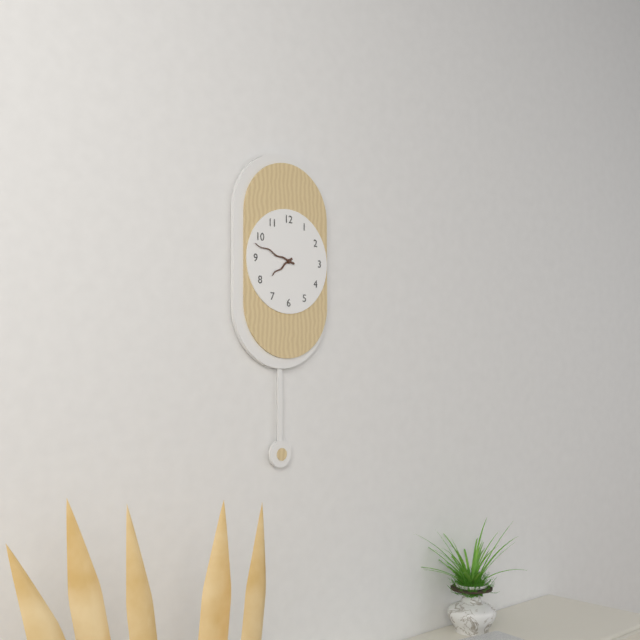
7:48
